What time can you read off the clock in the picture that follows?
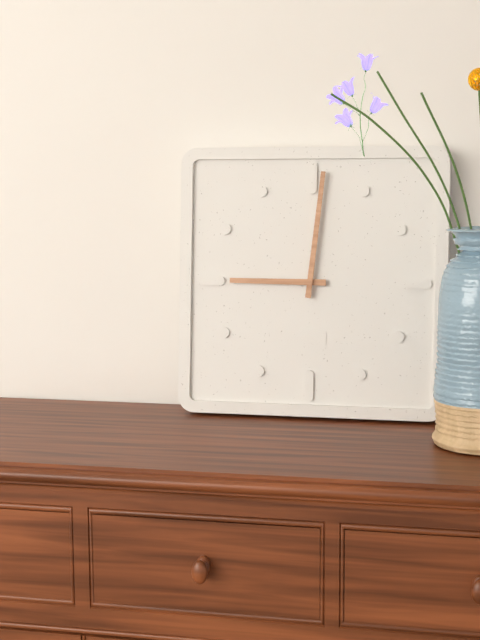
9:01
